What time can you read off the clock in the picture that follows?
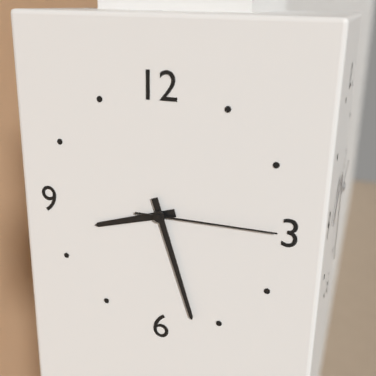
8:27:15
